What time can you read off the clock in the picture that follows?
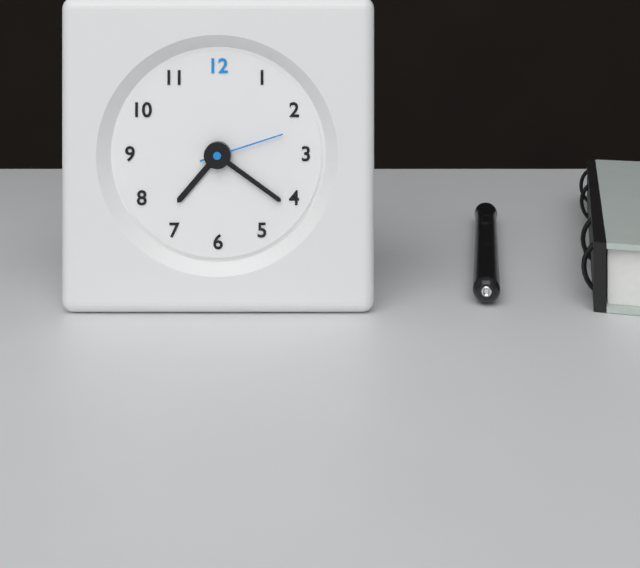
7:21:12
